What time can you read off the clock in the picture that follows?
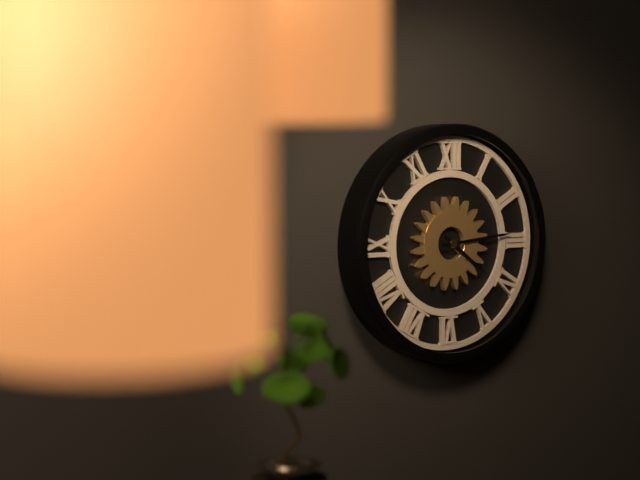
4:14
